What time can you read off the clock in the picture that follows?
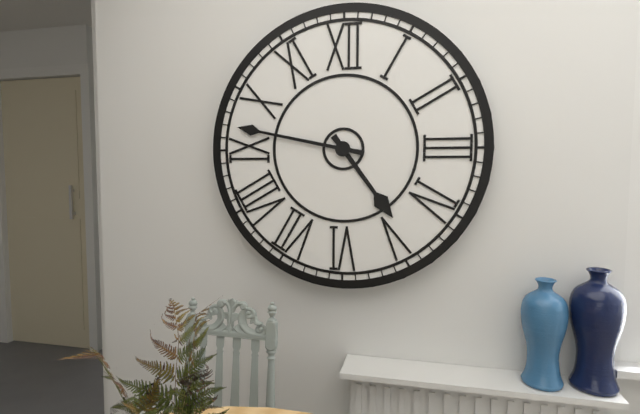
4:47
